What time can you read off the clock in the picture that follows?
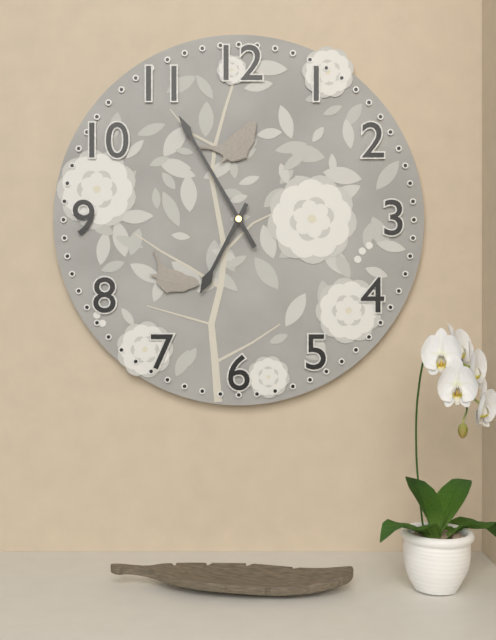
6:55
